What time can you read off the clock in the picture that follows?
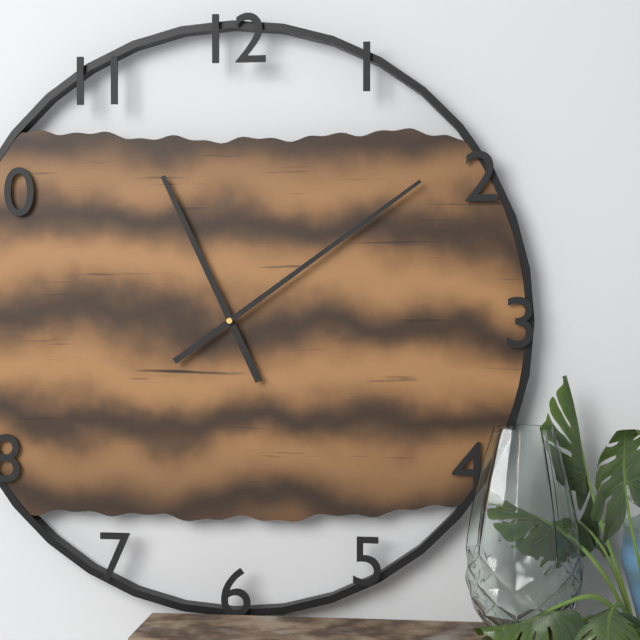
11:09
